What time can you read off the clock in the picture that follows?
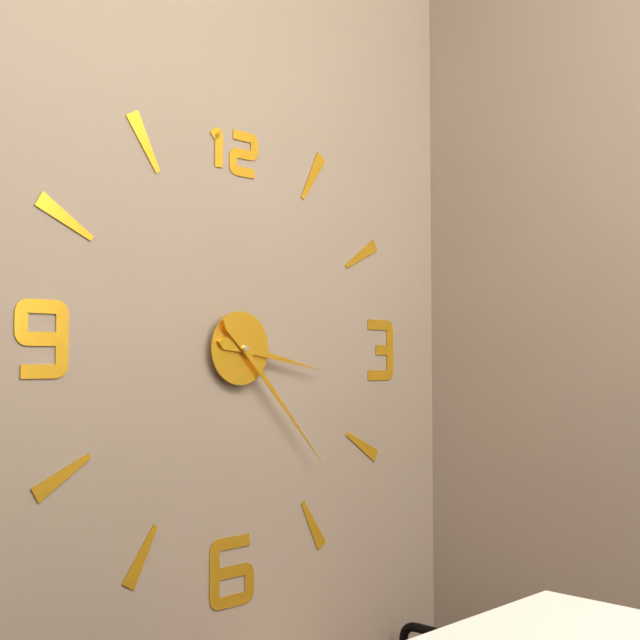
3:23
